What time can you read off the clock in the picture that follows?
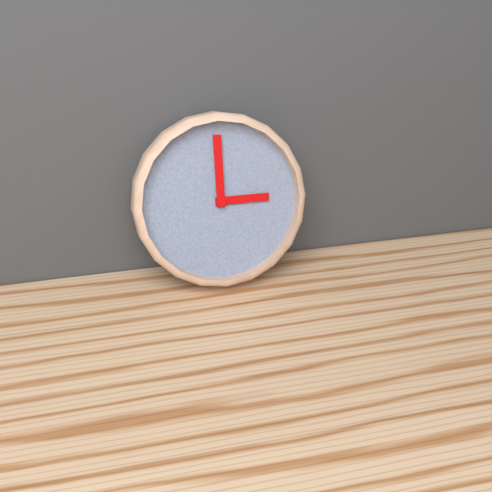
3:00
